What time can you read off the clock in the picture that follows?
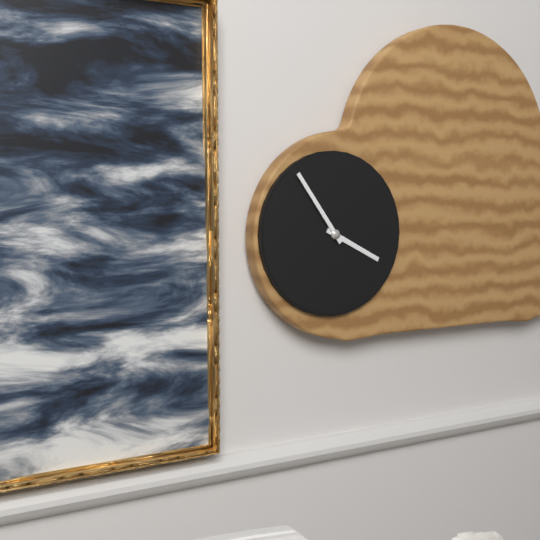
3:54
